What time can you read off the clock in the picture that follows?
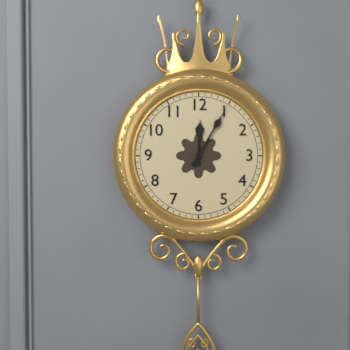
12:05
